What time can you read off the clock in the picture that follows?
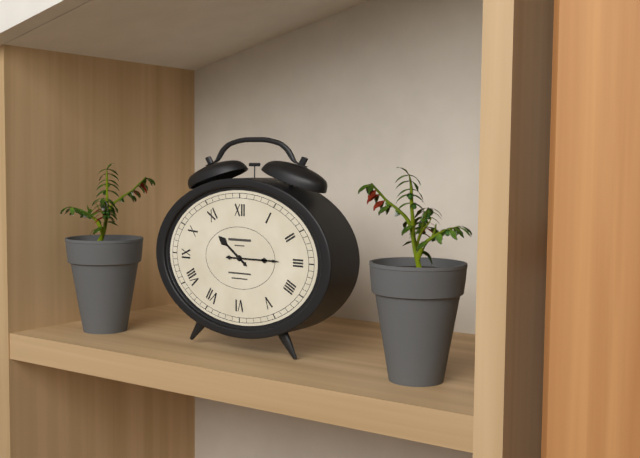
10:15
